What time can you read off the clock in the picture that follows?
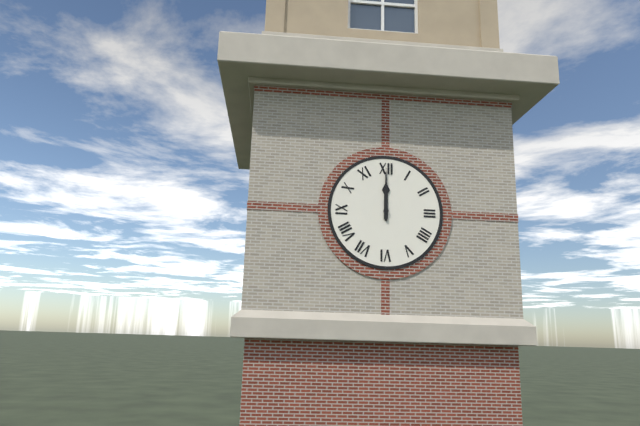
12:00
